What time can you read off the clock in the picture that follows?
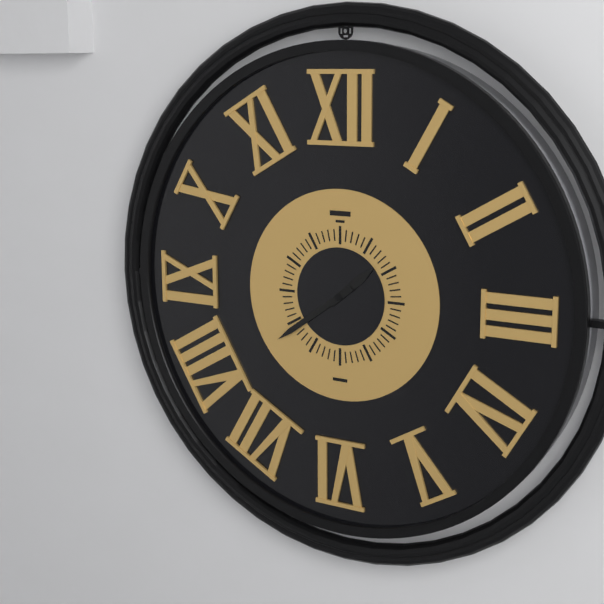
1:39
